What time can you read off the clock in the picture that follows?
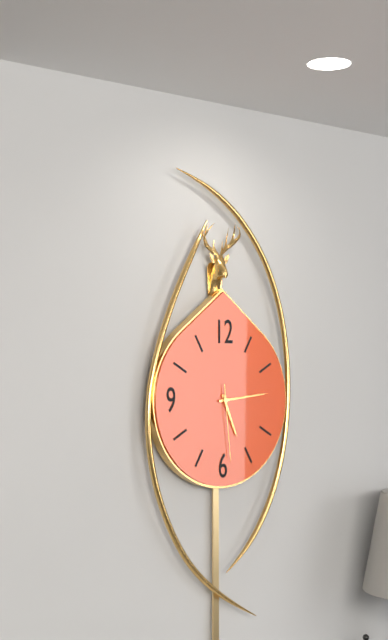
5:14:29
